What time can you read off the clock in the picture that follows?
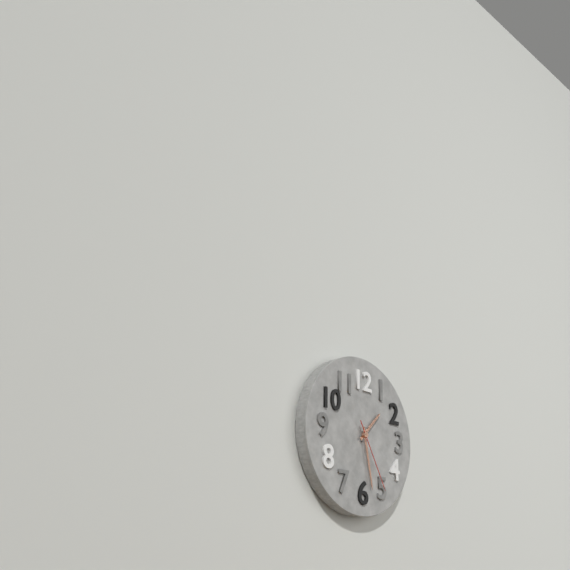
1:28:25
